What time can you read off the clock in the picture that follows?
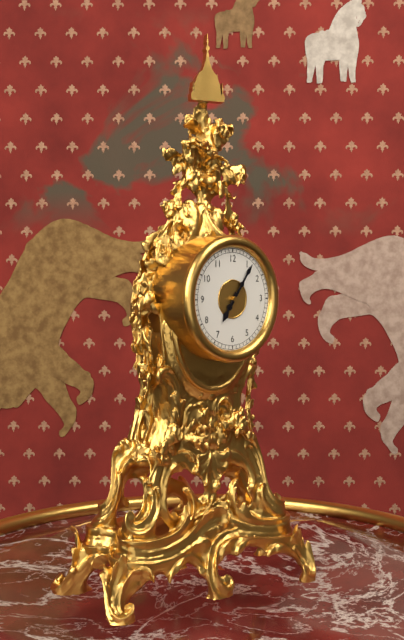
7:06
